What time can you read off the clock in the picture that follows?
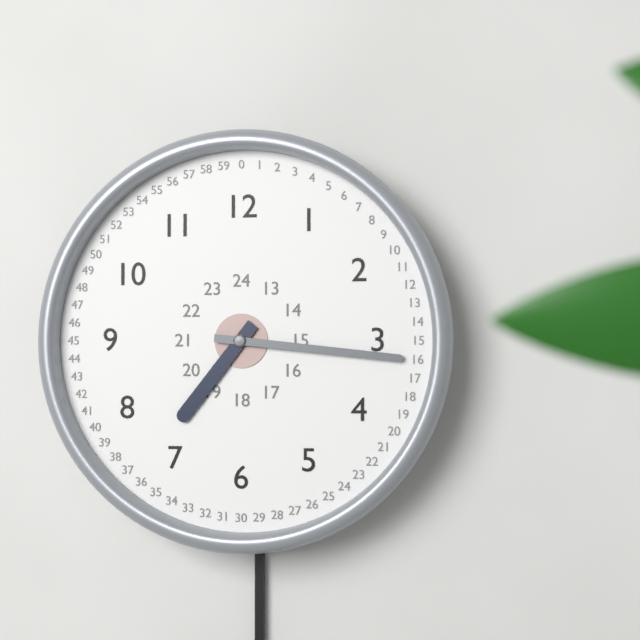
7:16
